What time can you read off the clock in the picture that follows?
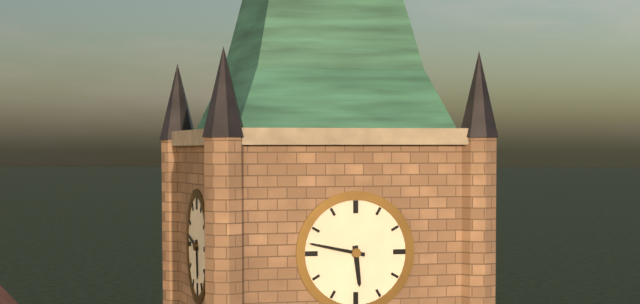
5:47
